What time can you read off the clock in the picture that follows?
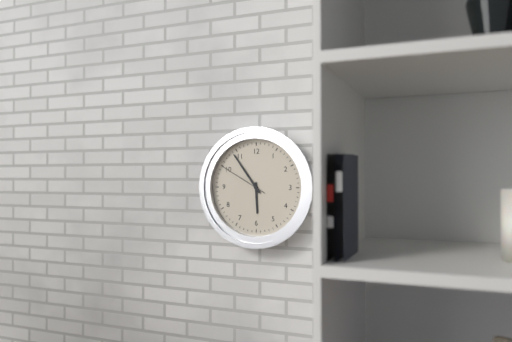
5:54:50
